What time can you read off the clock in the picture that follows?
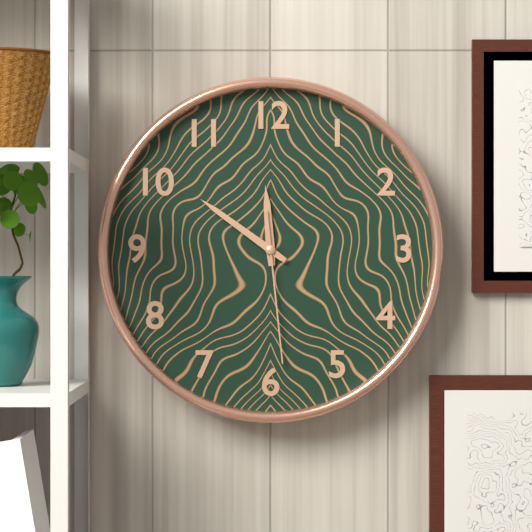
11:51:29
